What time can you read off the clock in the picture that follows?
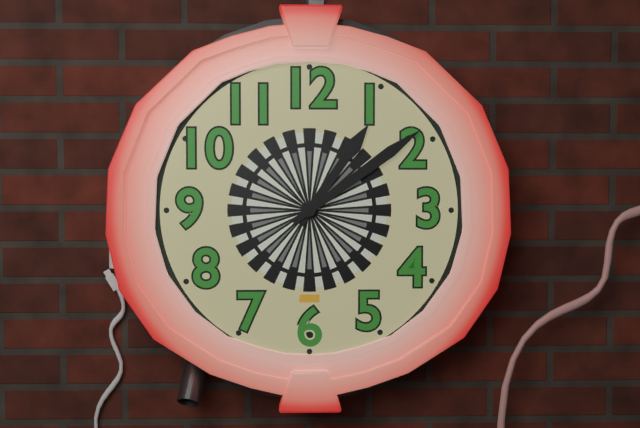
1:09
